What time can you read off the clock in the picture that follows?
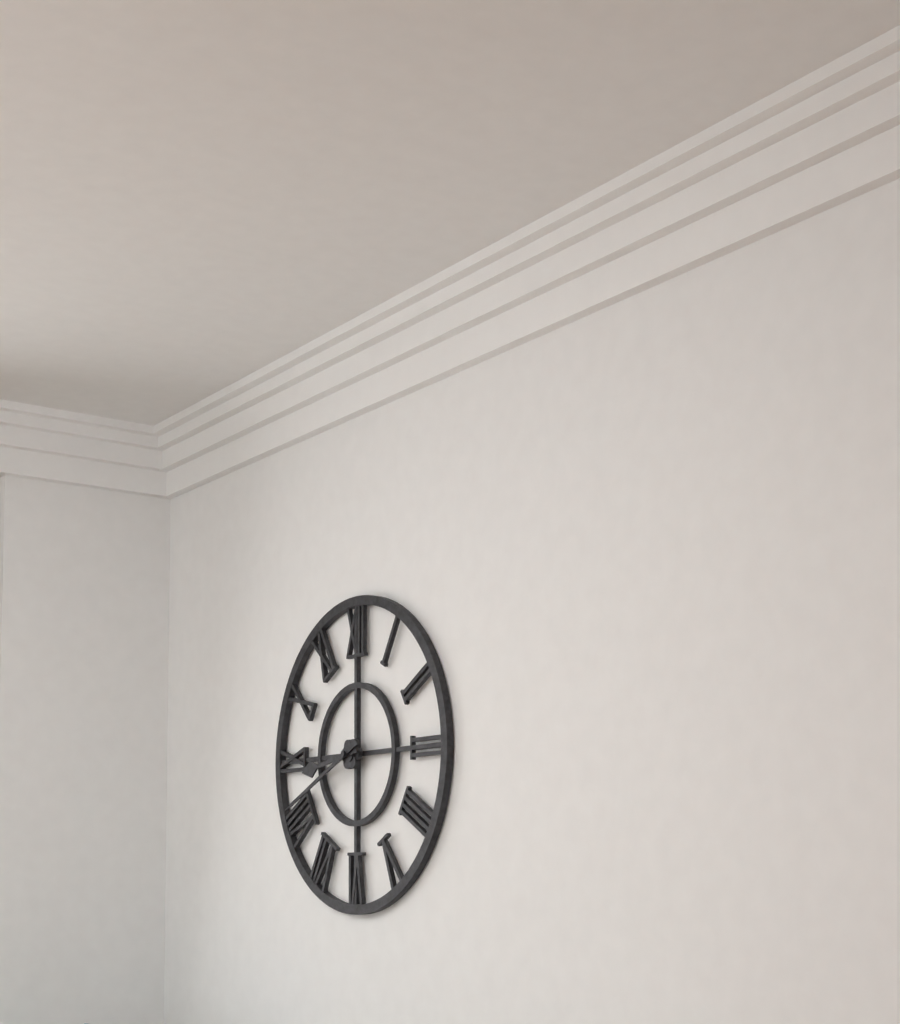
8:41
